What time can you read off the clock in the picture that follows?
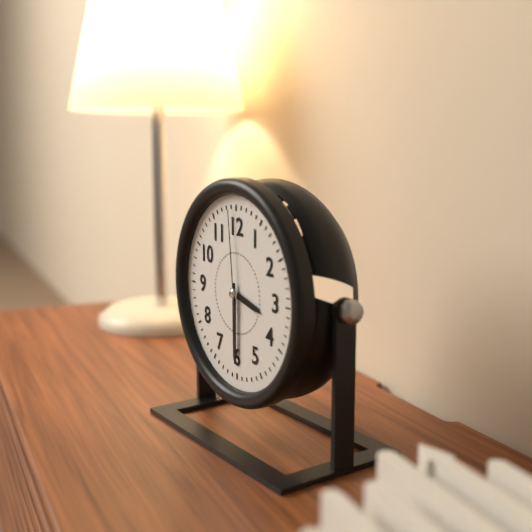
3:30:59
